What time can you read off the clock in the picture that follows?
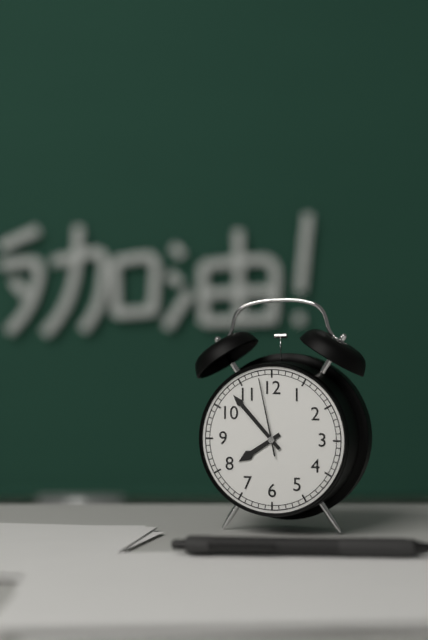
7:53:58
